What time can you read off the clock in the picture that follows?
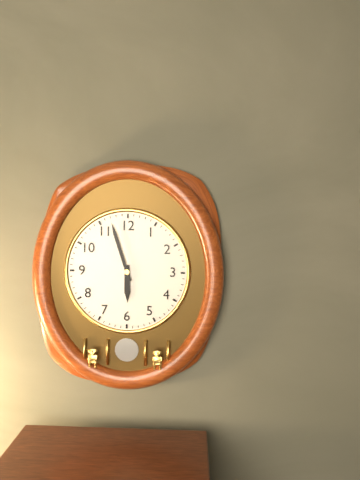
5:57
